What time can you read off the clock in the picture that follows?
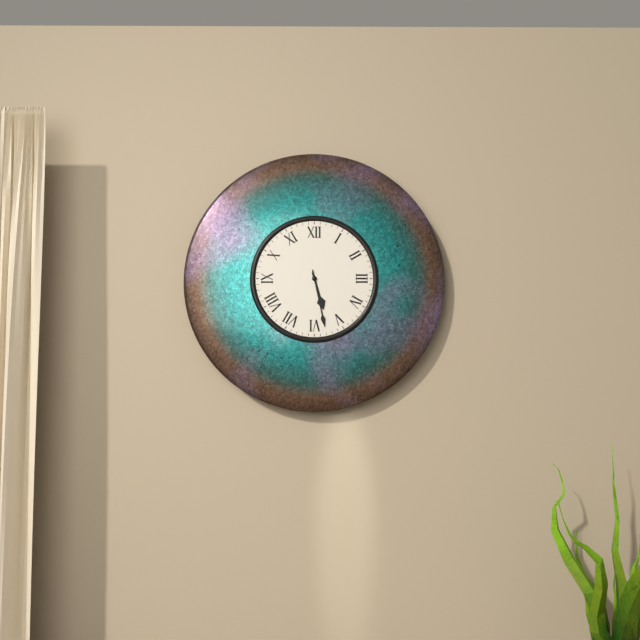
5:28
